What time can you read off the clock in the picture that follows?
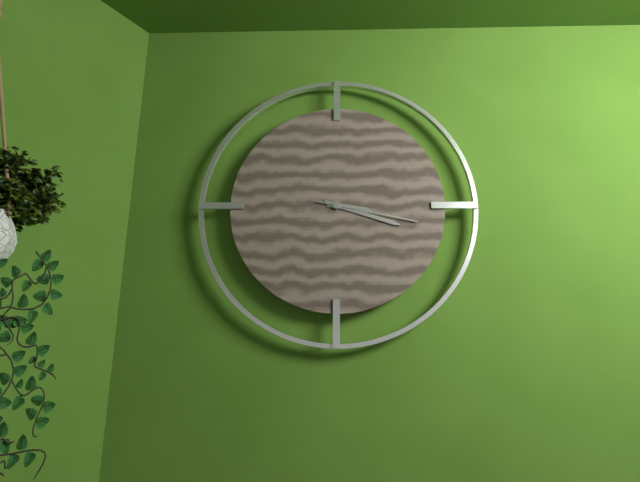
3:18:17
